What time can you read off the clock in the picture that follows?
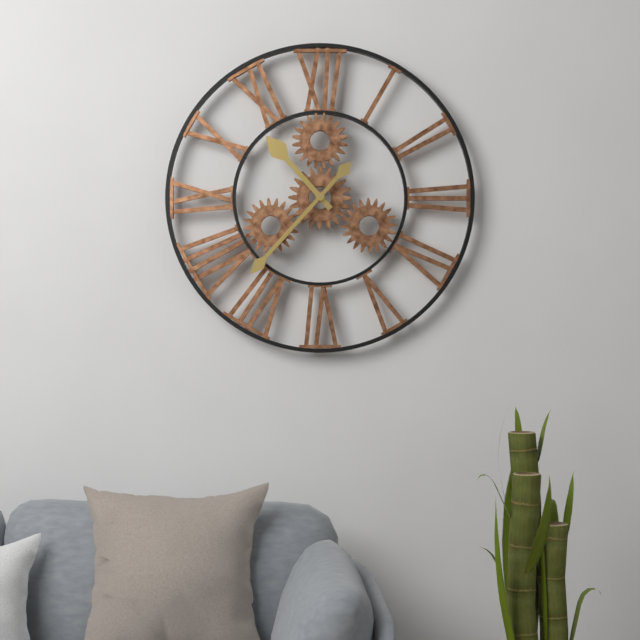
10:37
